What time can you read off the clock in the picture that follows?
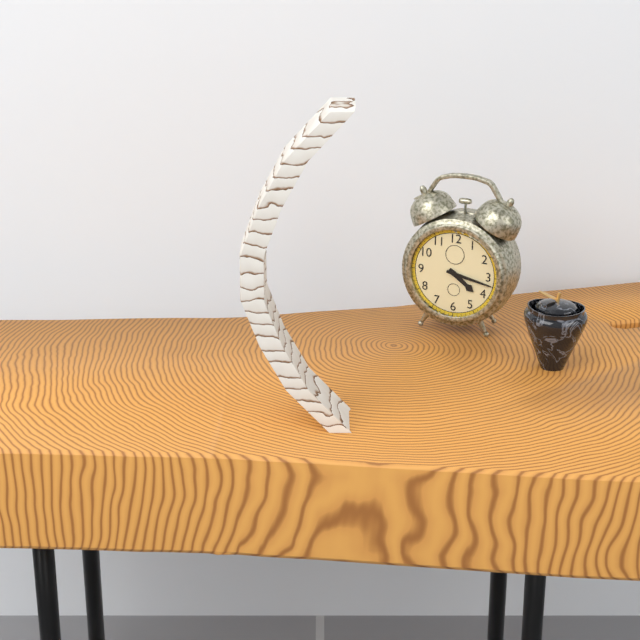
4:17
